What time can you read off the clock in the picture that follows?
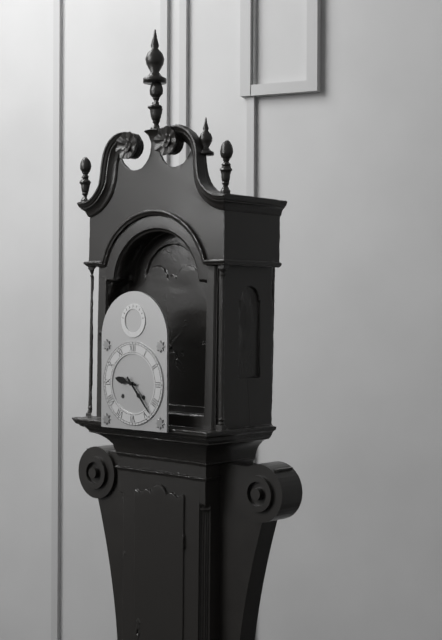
9:23
